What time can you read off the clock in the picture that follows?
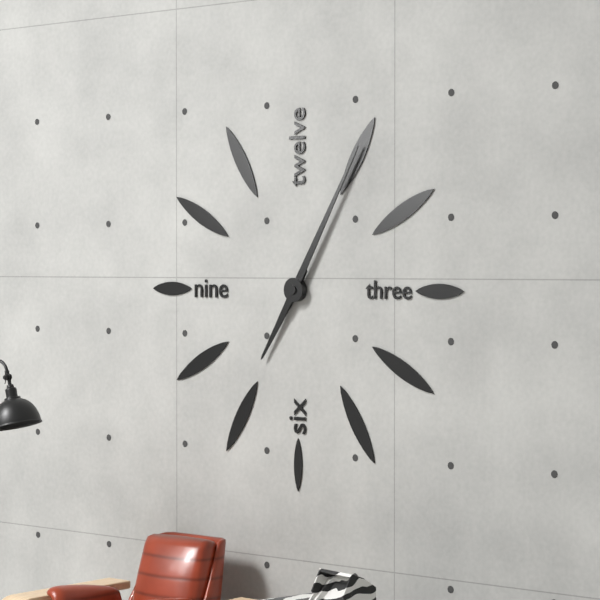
7:05
